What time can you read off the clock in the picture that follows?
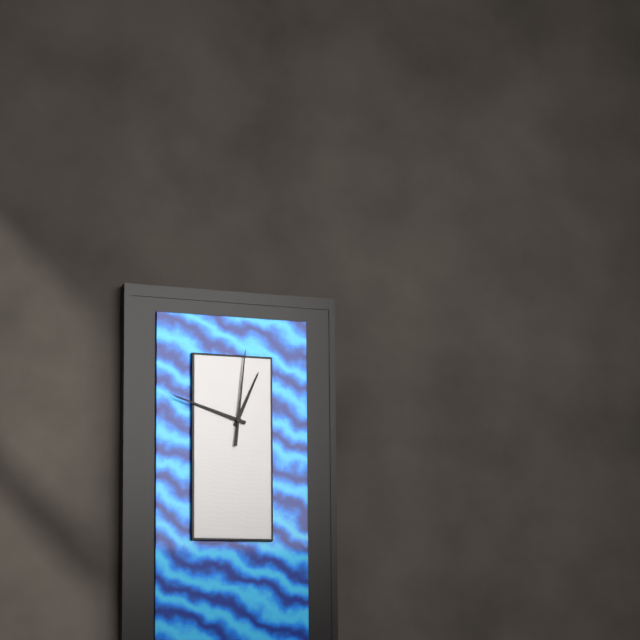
12:48:01
